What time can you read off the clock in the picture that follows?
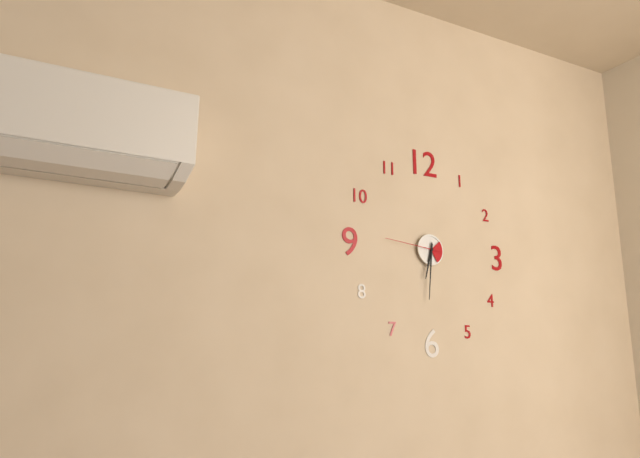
6:31:46
